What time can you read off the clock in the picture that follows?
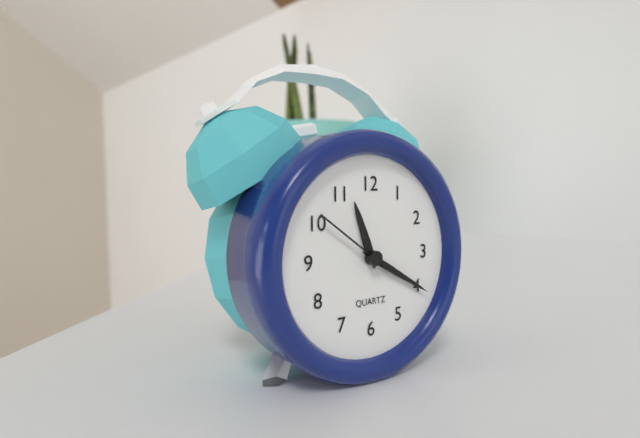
11:20:51
